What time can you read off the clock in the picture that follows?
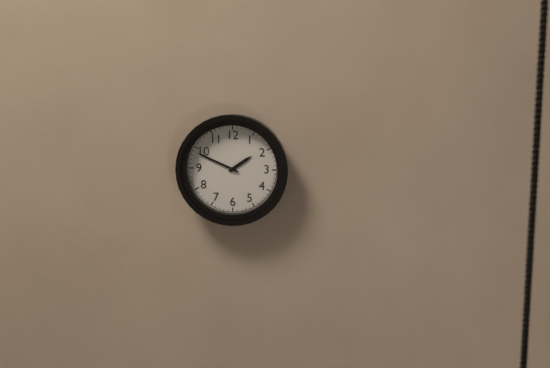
1:49
